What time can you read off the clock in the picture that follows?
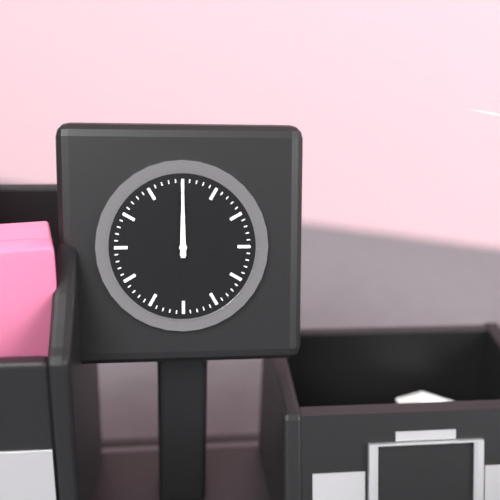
12:00
